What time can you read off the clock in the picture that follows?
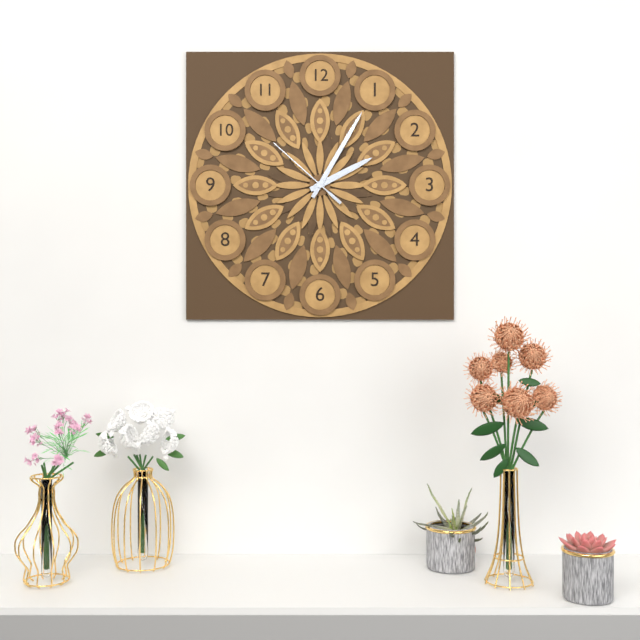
2:05:52
